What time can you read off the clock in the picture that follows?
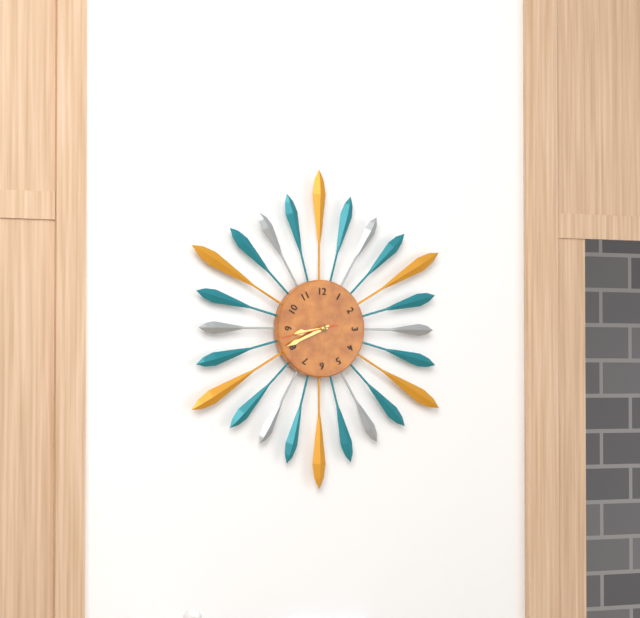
8:41
